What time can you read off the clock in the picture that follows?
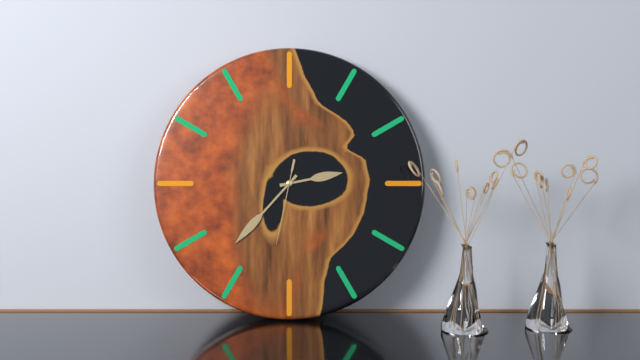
2:37:32
